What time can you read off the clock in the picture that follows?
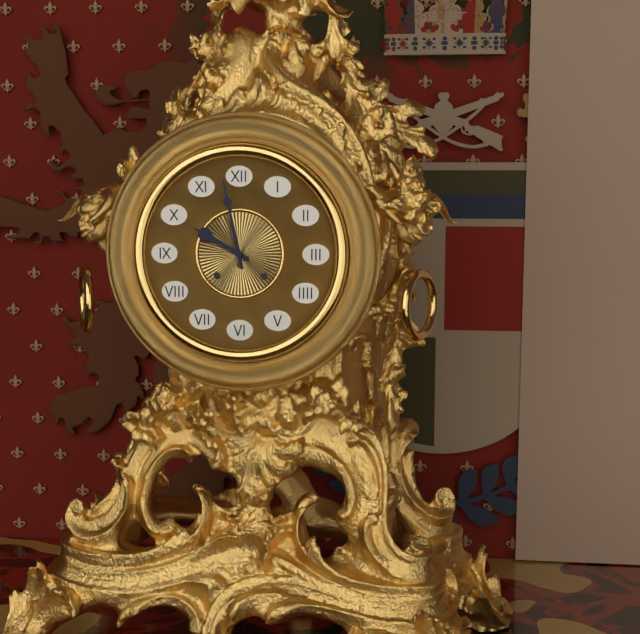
9:58
